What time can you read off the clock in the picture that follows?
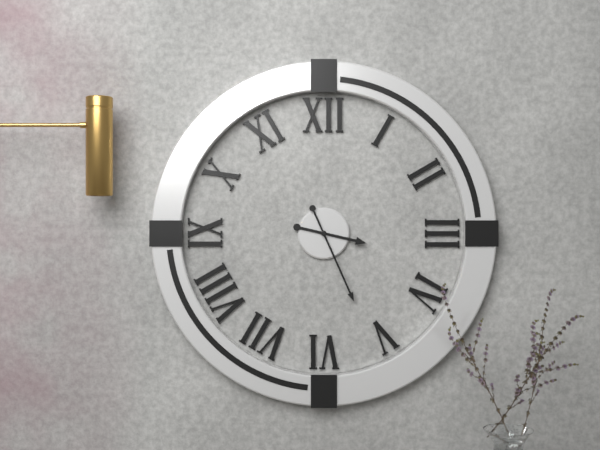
3:26
